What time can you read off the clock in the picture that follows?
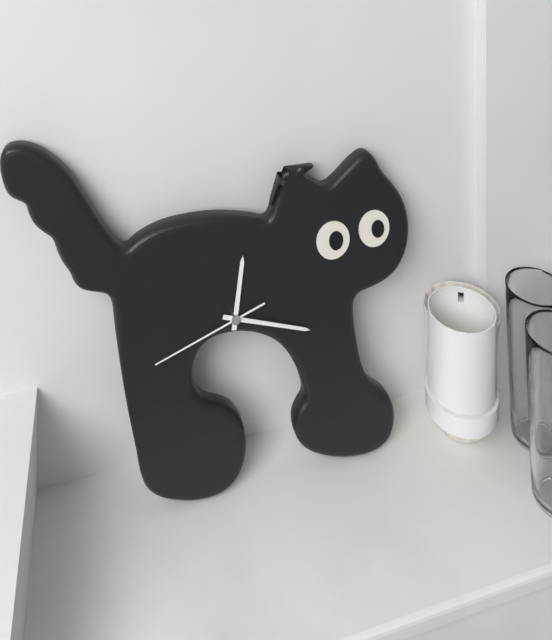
12:18:42
